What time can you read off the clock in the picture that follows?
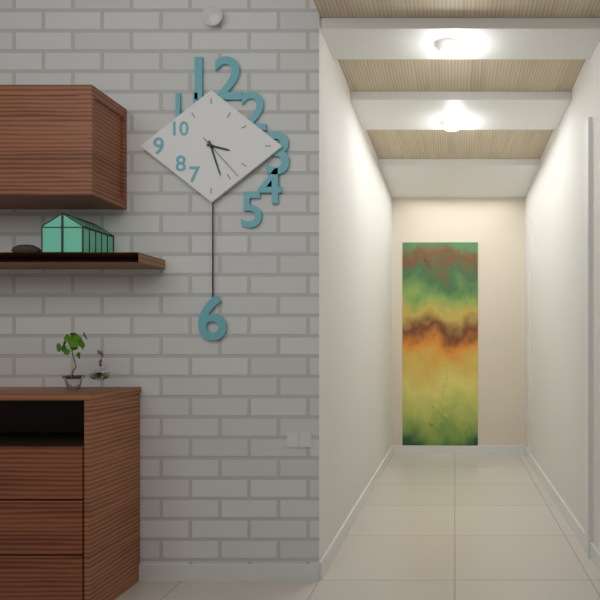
3:27
